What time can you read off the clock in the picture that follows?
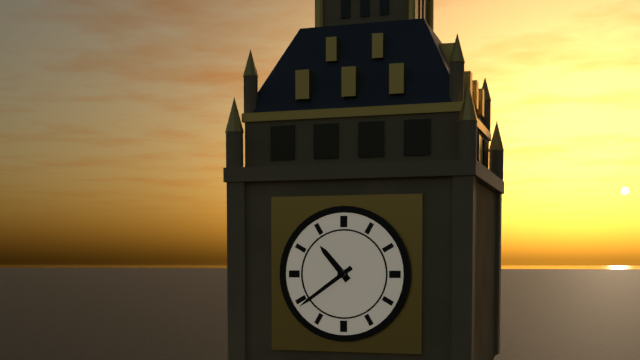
10:39
